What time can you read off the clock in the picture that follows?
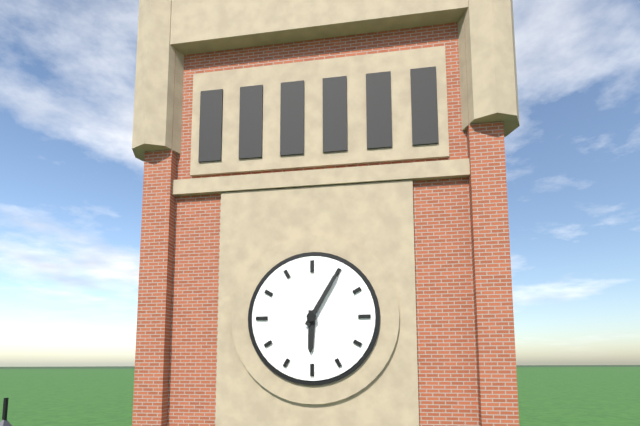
6:05
